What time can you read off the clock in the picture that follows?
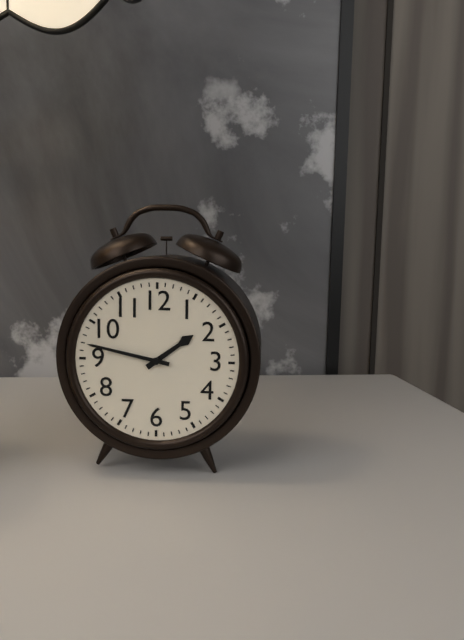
1:47
